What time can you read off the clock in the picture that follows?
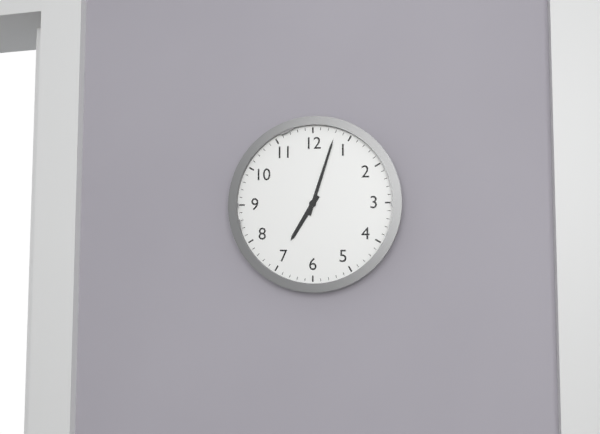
7:03
